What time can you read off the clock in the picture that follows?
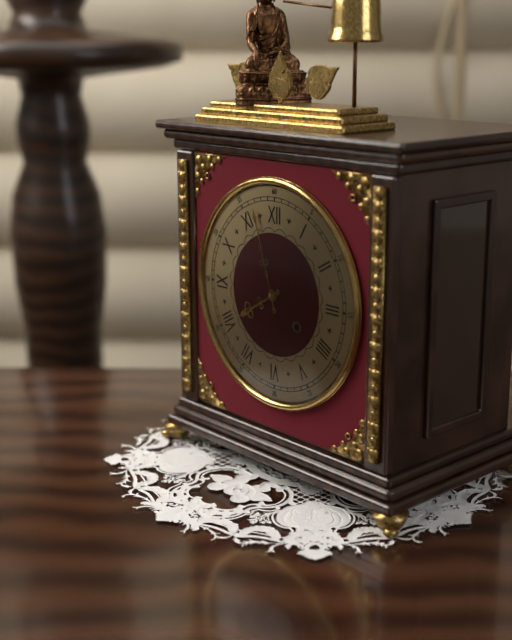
7:57
